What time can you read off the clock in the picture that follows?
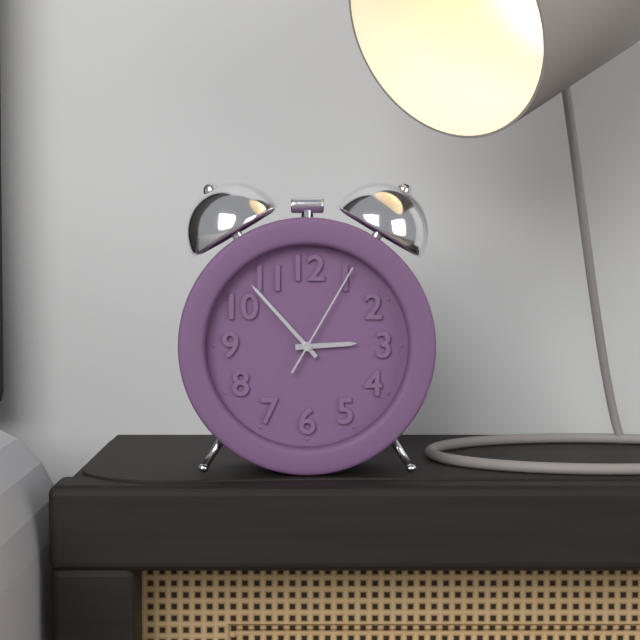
2:53:05
